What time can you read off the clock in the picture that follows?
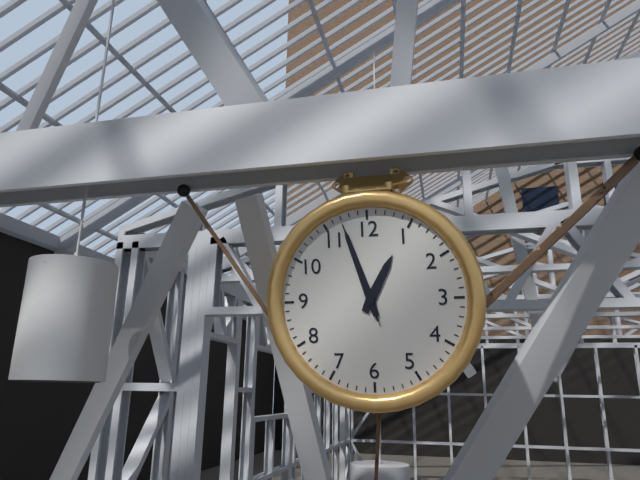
12:57:57
